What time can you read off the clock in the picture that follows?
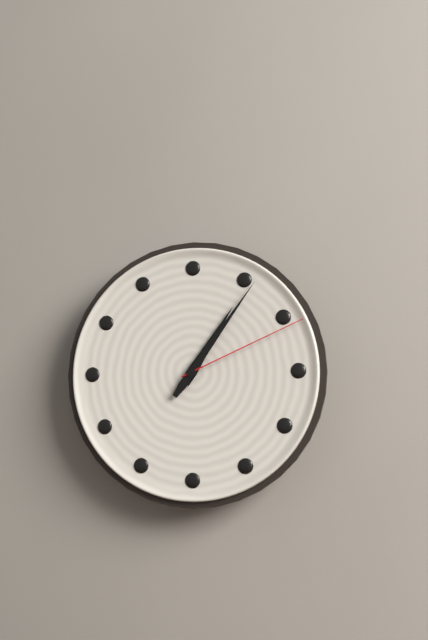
1:06:11
